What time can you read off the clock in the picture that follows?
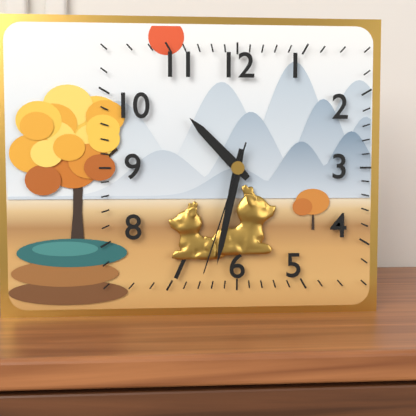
10:32:33
